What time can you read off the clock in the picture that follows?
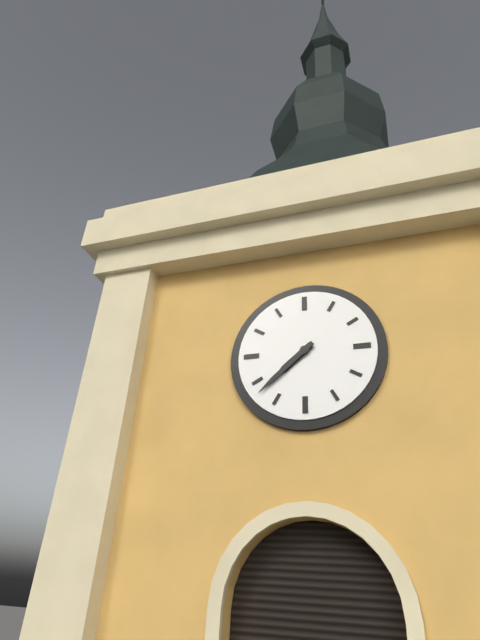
7:38
